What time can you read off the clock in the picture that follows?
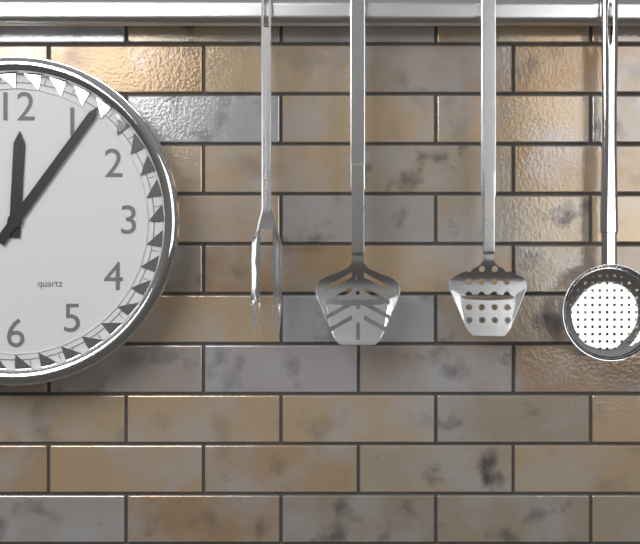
12:06
